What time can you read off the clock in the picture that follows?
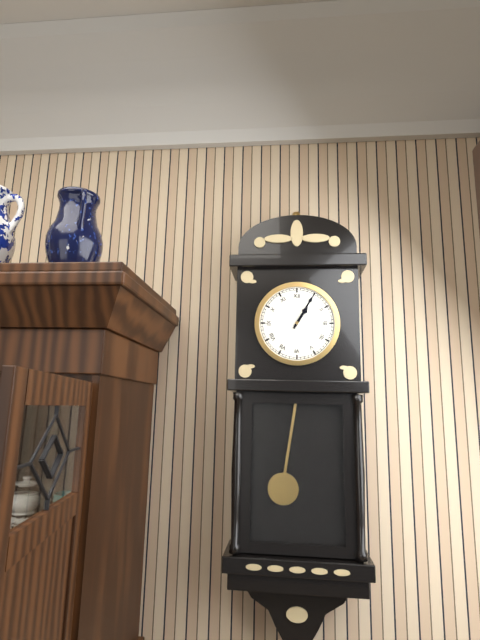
1:05
